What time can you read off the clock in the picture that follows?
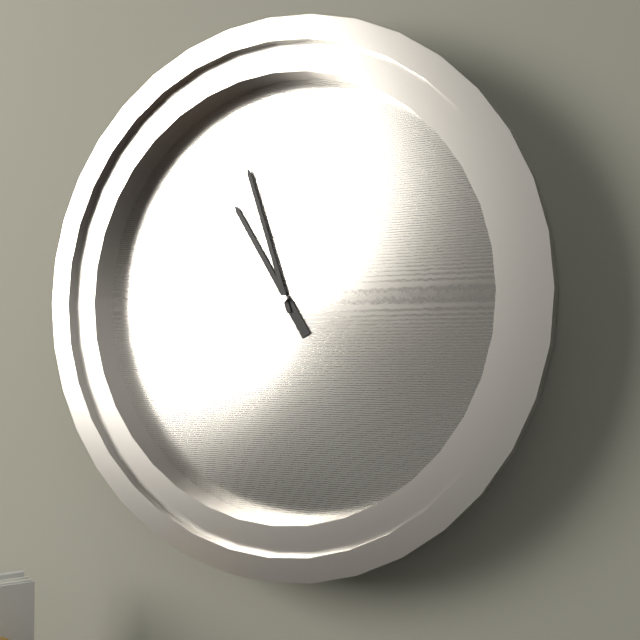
10:57
